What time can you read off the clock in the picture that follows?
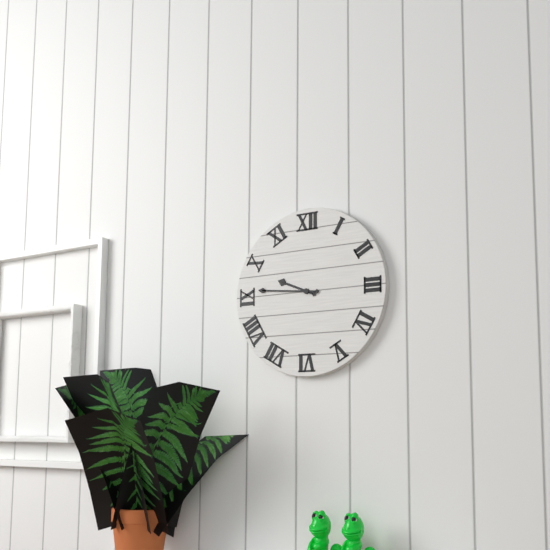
9:46
